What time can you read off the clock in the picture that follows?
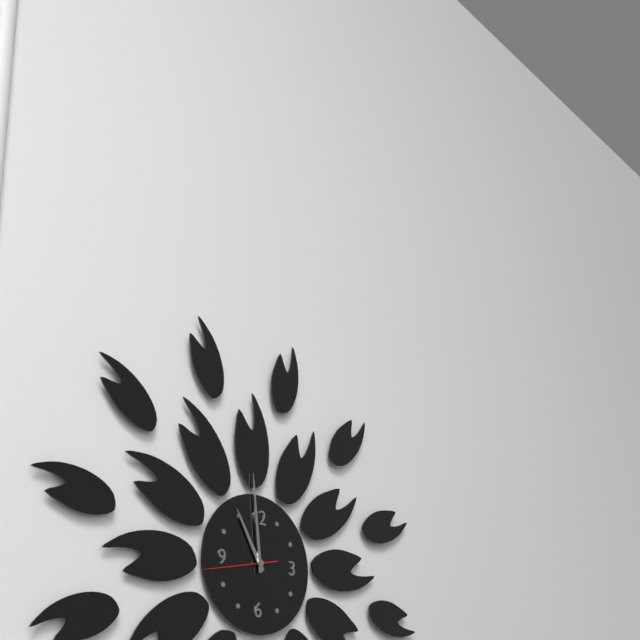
10:59:43
